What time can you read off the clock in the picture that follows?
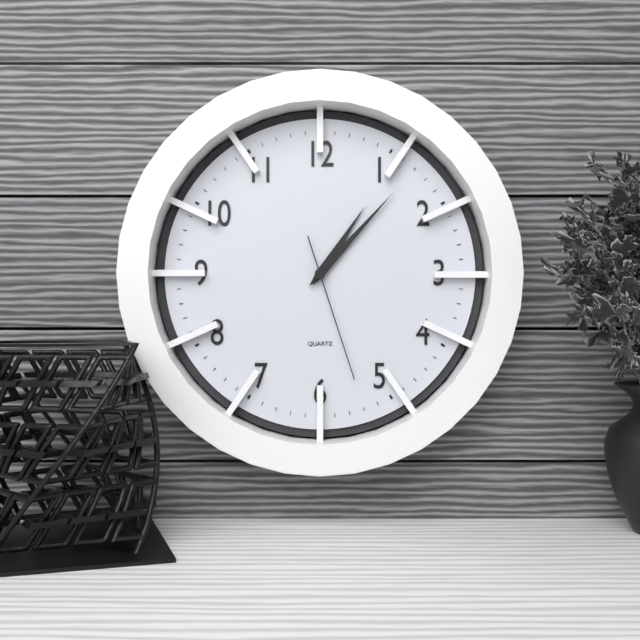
1:07:27
